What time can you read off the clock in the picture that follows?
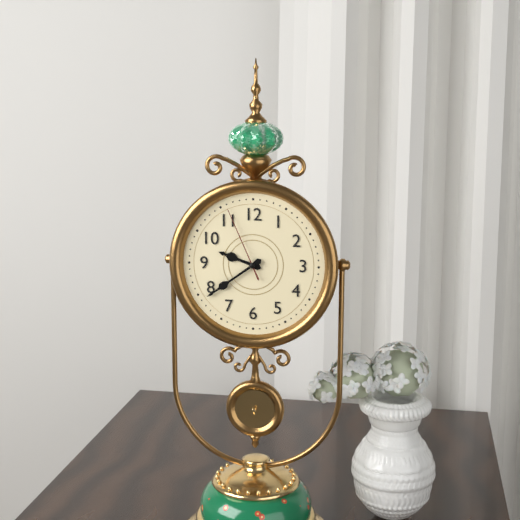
9:39:56
